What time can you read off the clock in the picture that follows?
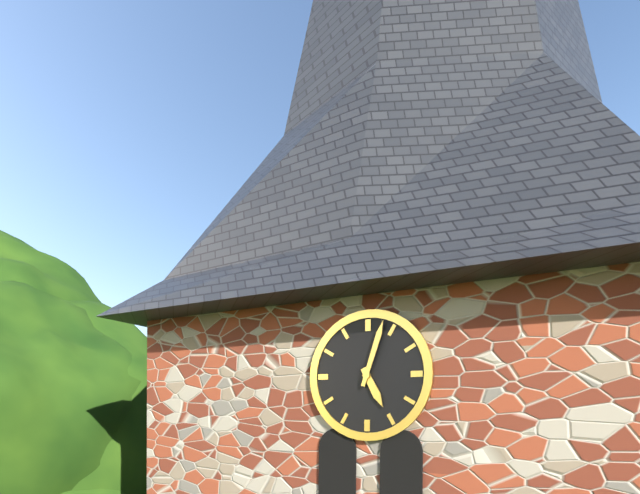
5:03
